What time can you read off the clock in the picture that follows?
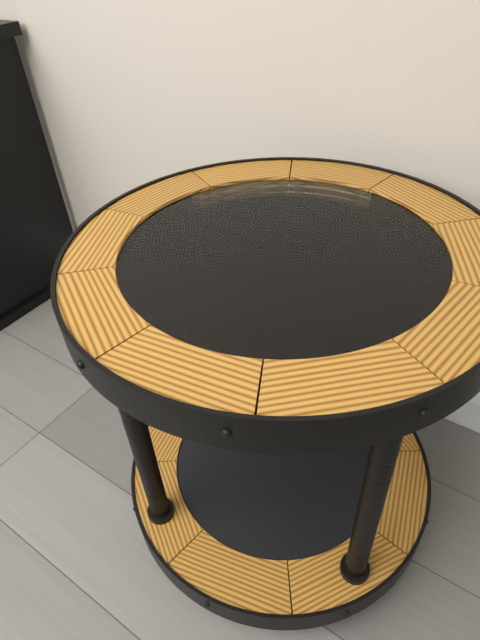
10:42
